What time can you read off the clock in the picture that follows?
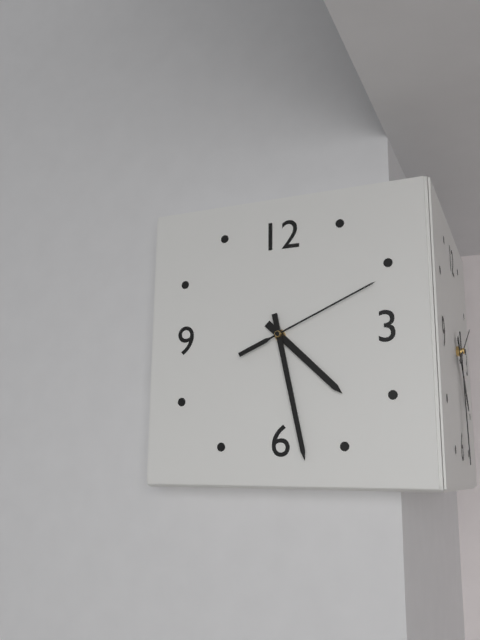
4:28:11
